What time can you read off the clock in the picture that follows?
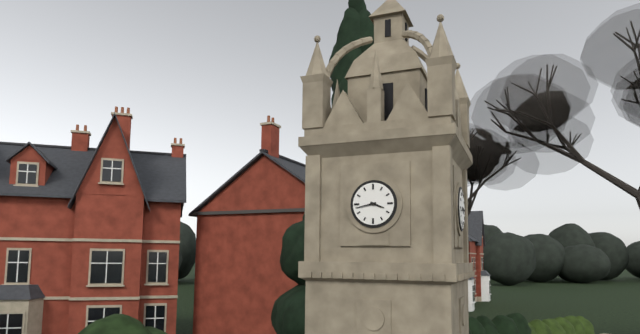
3:43
